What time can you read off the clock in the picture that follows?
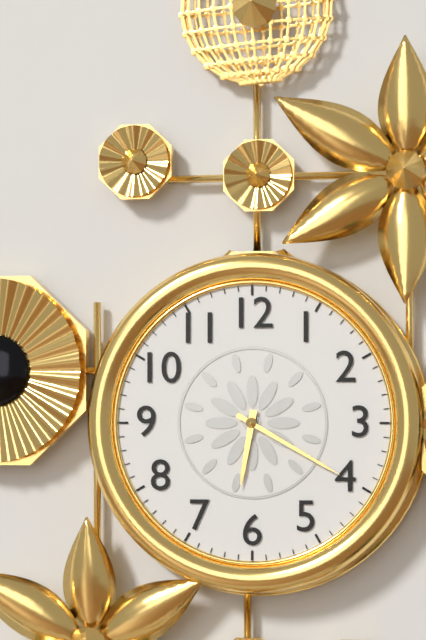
6:20
